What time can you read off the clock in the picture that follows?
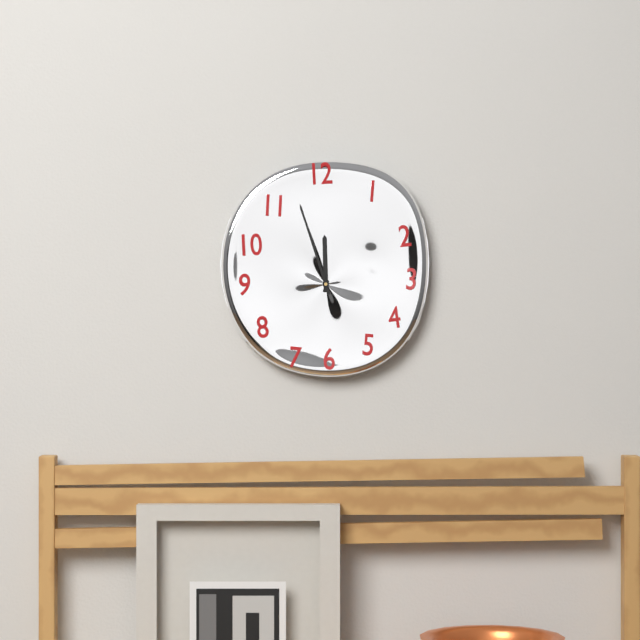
11:57
